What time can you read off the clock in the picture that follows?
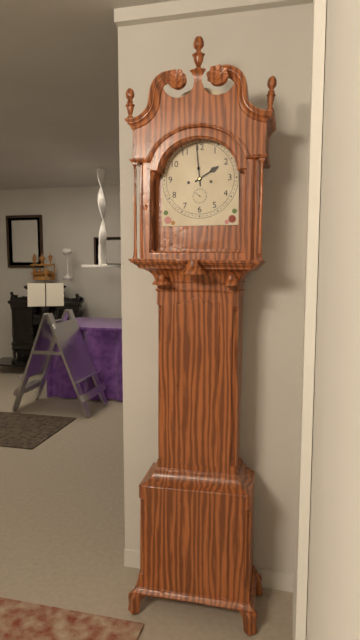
1:59
